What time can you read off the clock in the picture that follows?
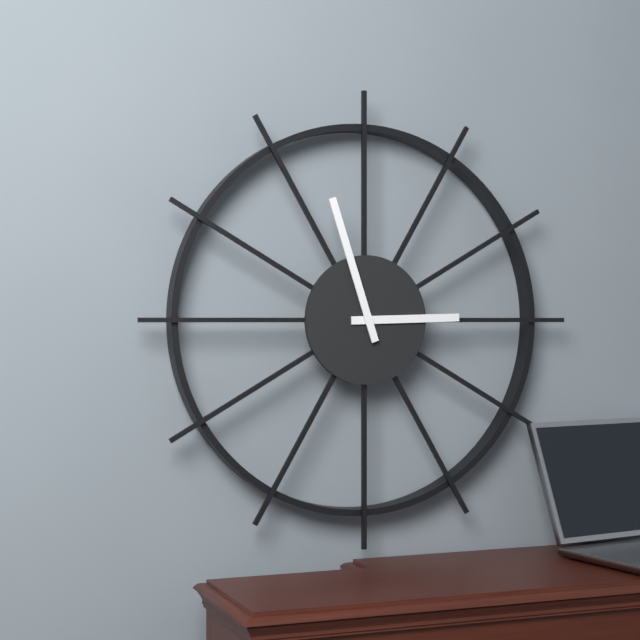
2:57
